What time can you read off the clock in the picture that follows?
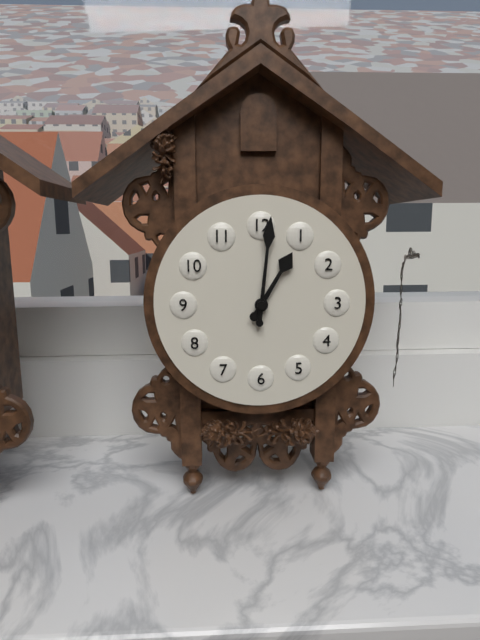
1:01
